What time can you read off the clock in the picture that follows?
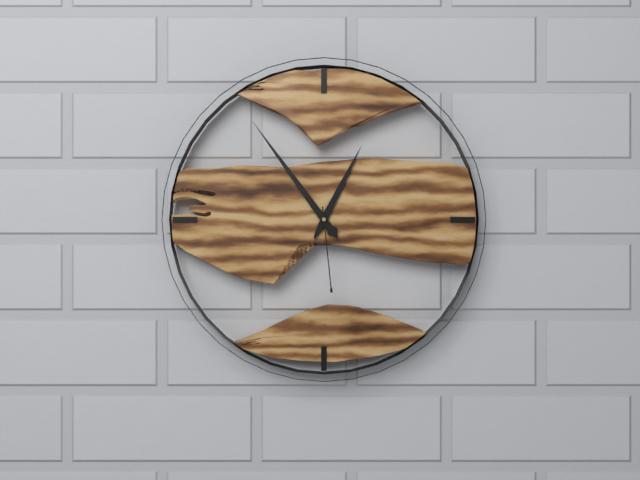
12:54:29
